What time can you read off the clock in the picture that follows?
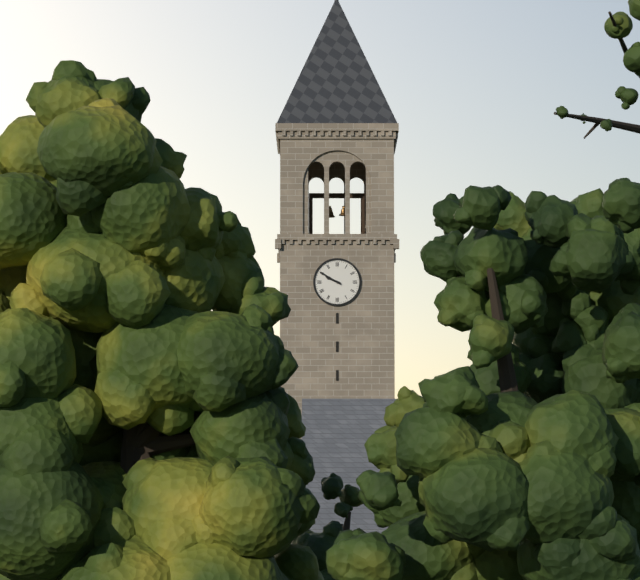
9:50
